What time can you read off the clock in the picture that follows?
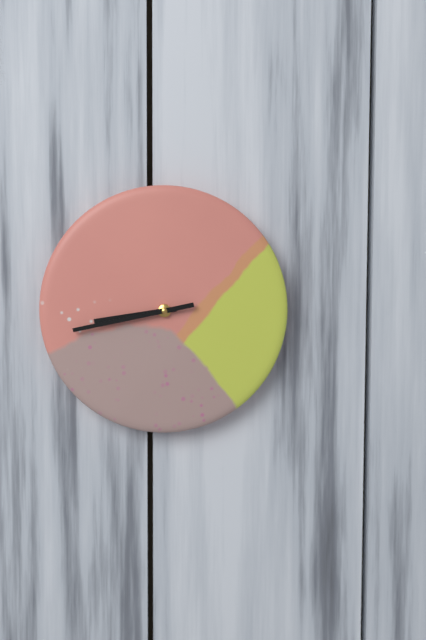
8:43
